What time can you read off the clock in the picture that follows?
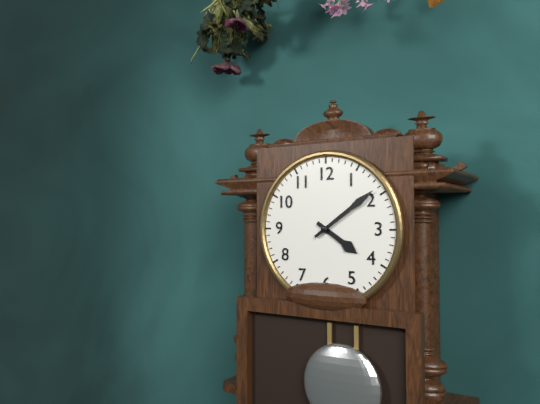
4:09
